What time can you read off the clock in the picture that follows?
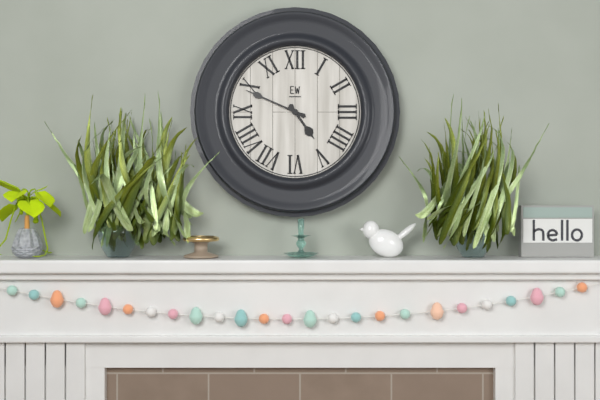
4:49
